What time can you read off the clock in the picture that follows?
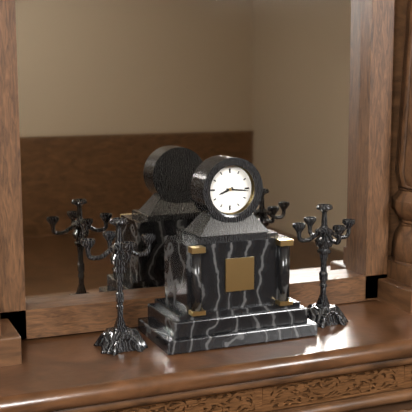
8:16
